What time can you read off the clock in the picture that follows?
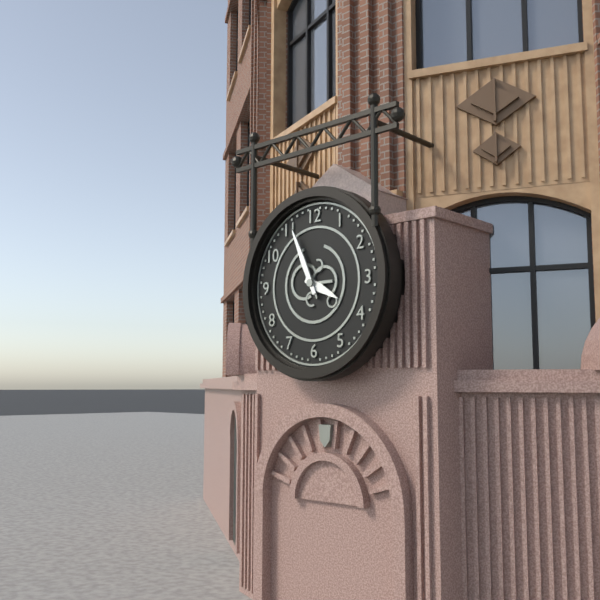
3:56
